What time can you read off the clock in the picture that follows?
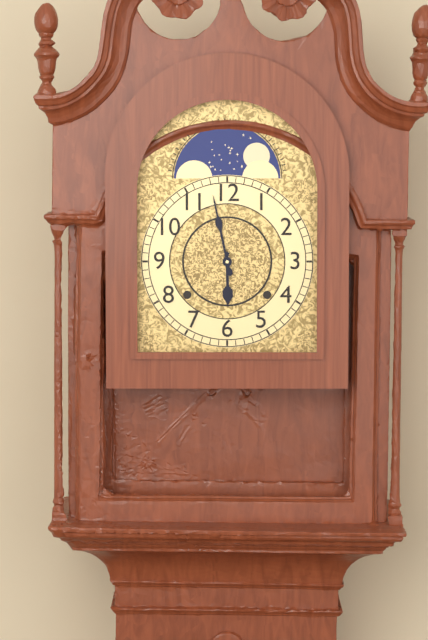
5:58
